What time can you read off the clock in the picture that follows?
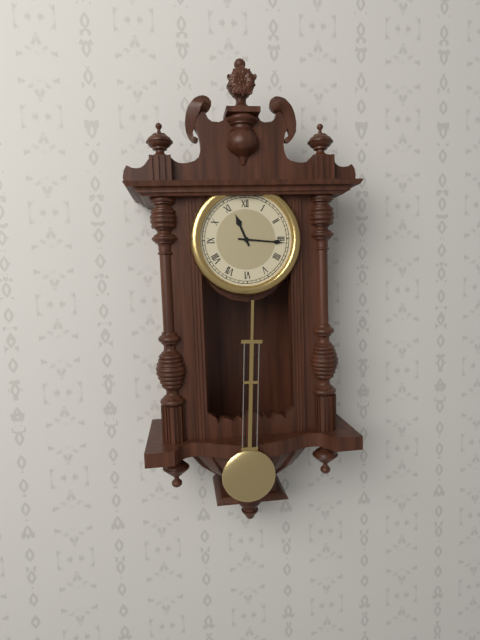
11:16
